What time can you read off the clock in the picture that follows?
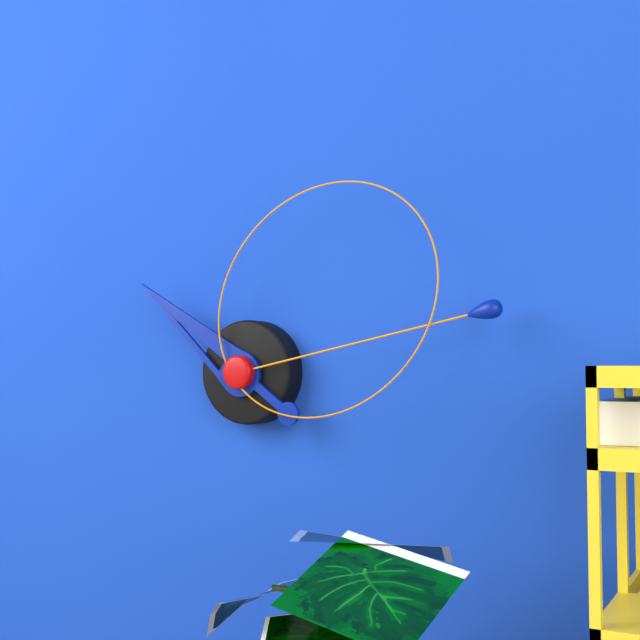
10:13:09
